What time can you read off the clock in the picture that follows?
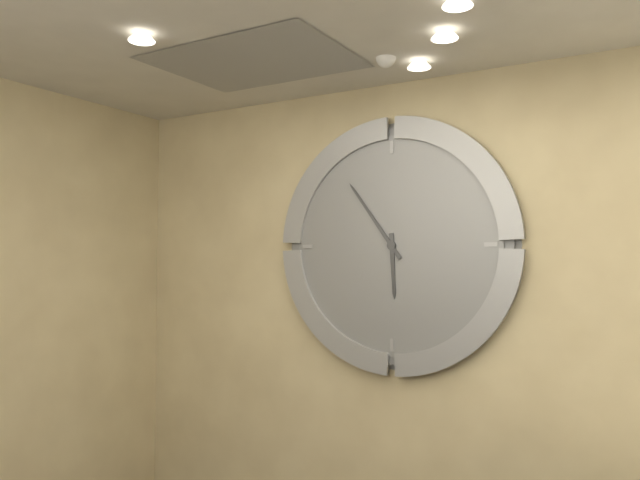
5:54
